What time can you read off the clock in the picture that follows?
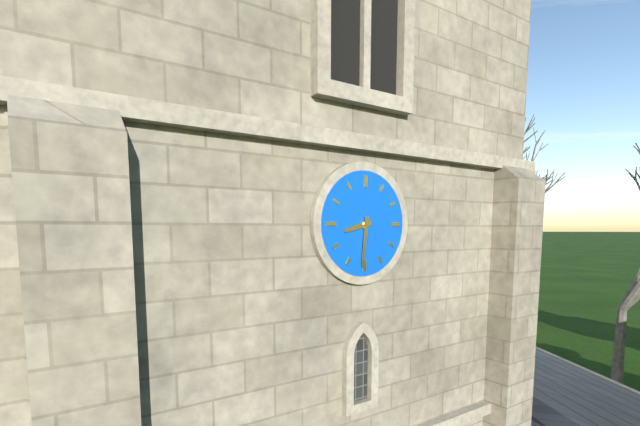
8:31
